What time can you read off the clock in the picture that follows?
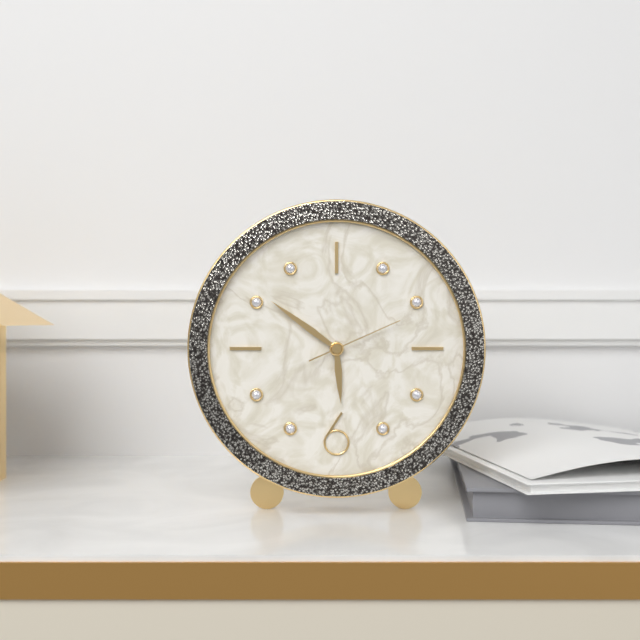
5:51:11
